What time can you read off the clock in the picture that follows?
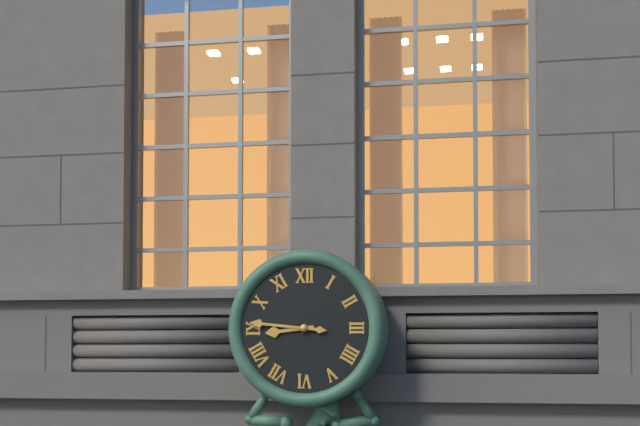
8:46
